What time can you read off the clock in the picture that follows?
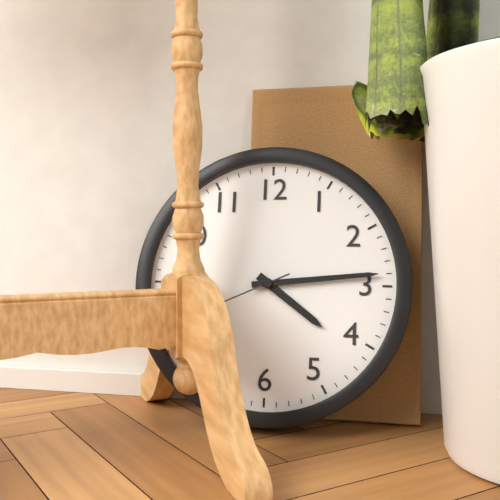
4:14
